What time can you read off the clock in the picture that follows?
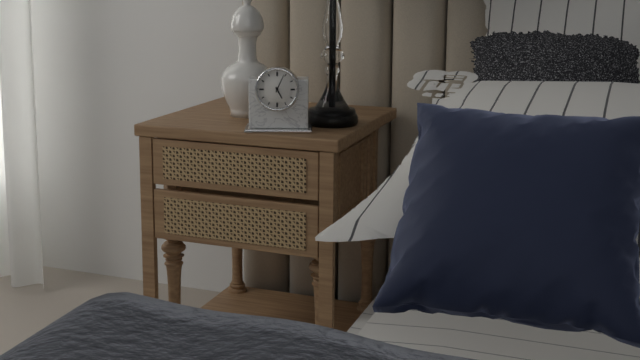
5:04
